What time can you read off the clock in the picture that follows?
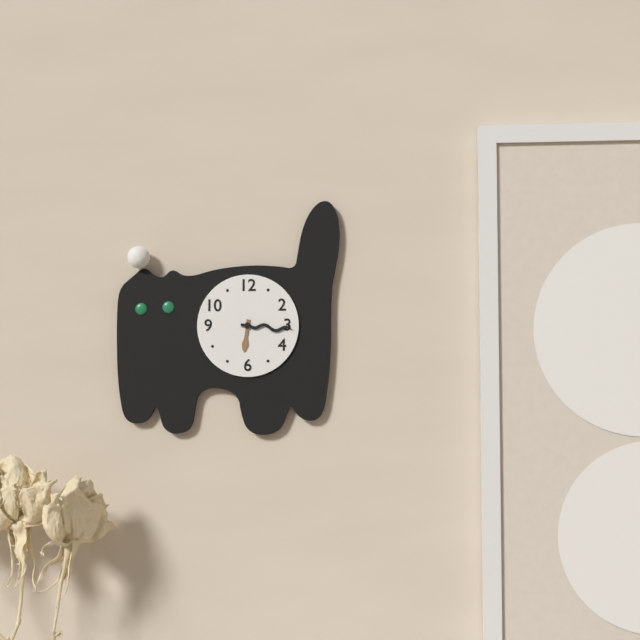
6:16
